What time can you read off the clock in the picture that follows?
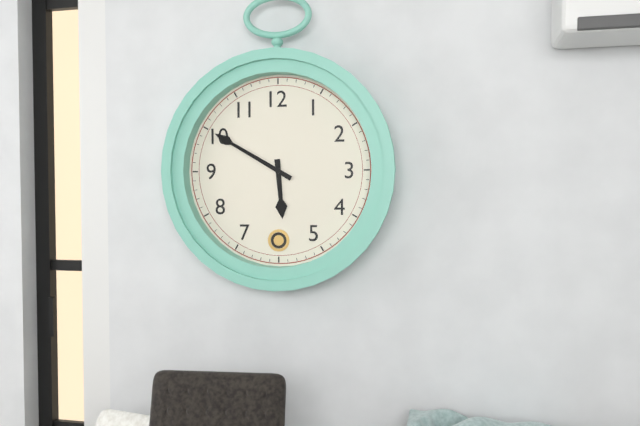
5:50
